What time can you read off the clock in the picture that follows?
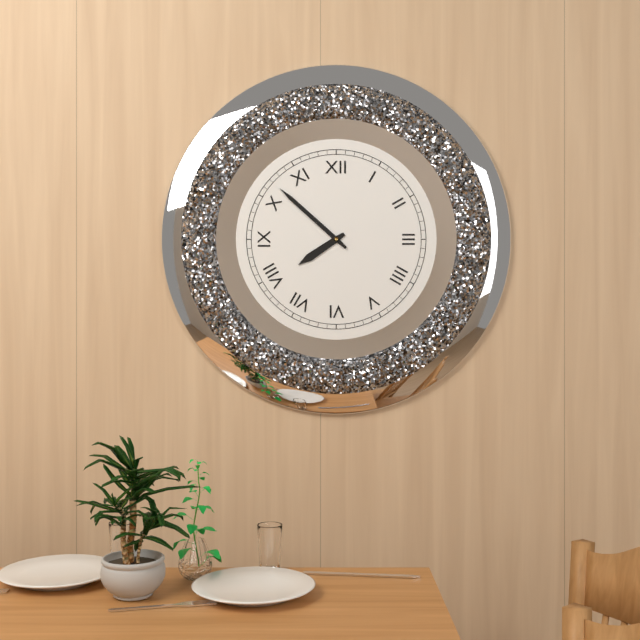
7:52
